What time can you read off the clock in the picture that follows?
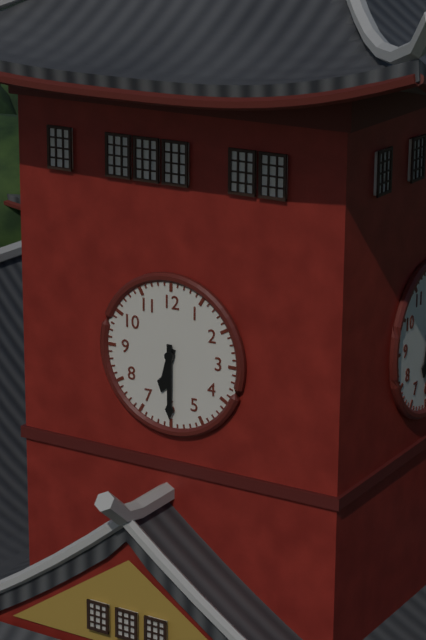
6:30
